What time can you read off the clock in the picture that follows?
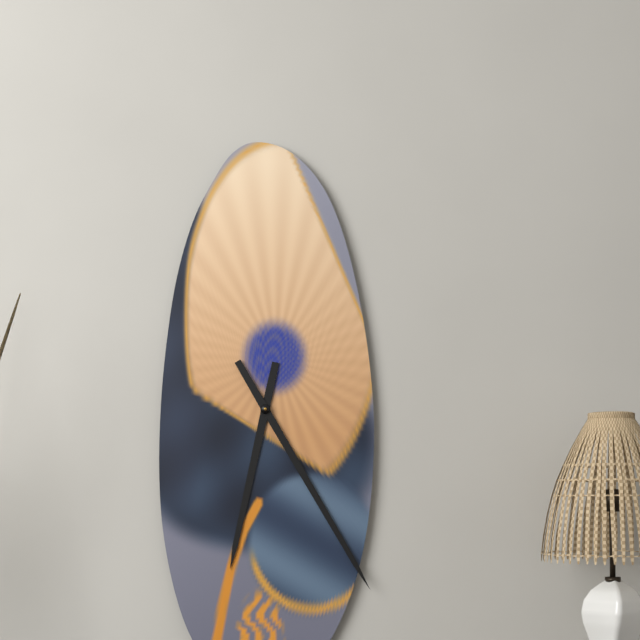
6:25
